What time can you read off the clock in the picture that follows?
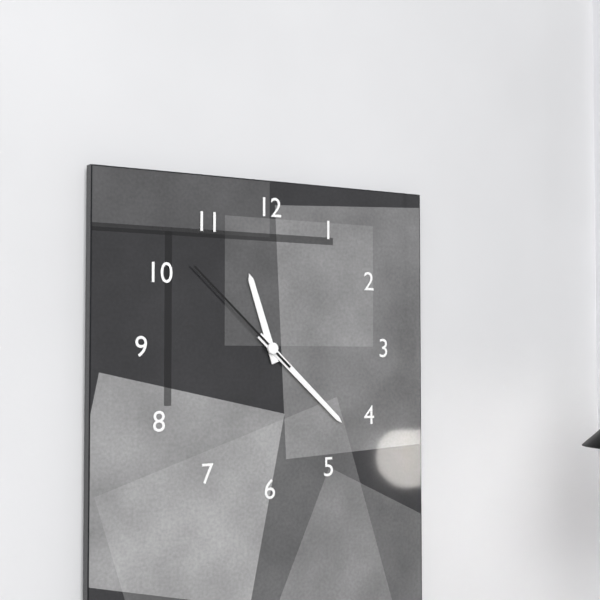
11:22:52
